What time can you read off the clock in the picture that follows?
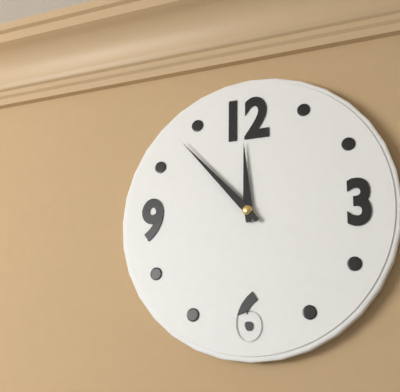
11:53
